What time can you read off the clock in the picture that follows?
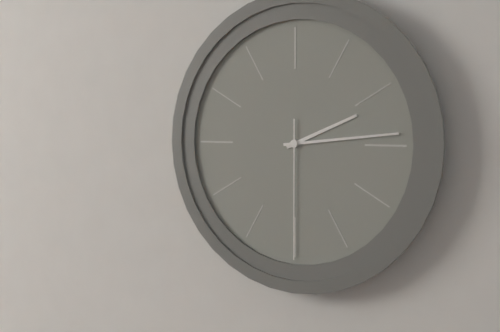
2:14:30
